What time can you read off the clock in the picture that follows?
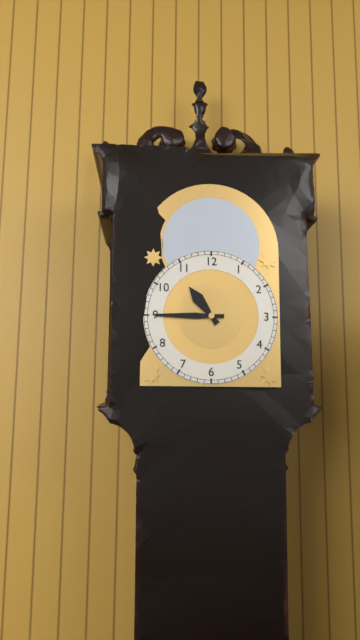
10:45
